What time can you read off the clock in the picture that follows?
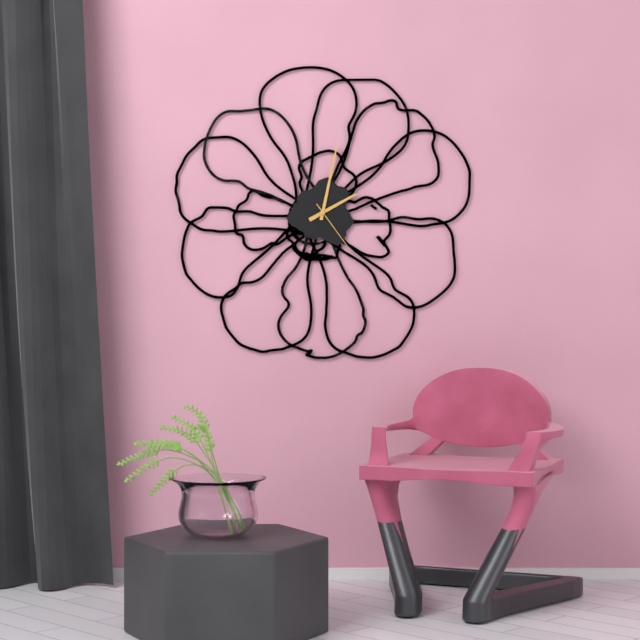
2:02:24
